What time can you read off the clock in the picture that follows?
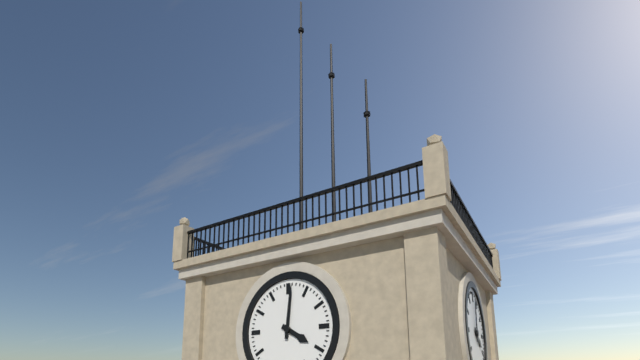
4:01
